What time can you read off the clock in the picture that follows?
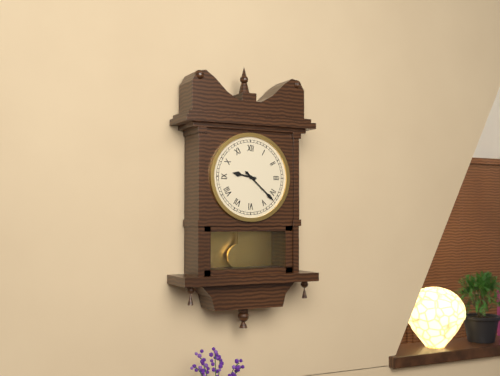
9:22
